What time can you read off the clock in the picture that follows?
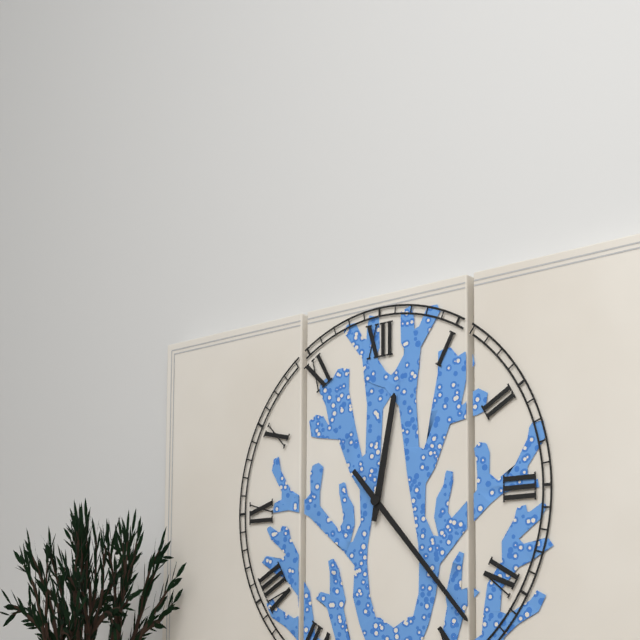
12:23
